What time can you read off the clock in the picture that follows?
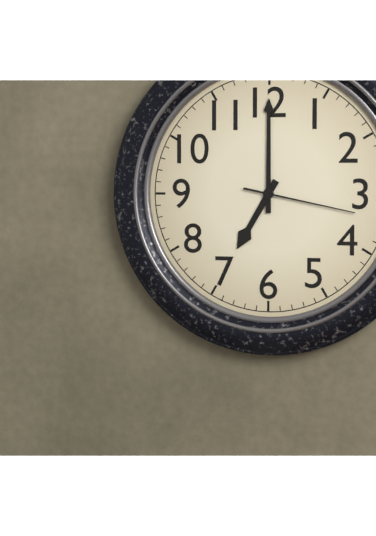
7:00:17
